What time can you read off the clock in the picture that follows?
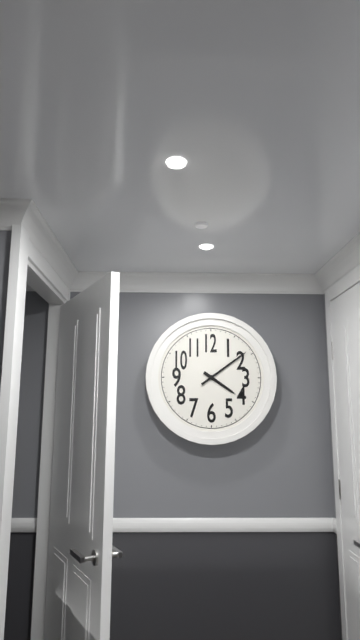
4:09
